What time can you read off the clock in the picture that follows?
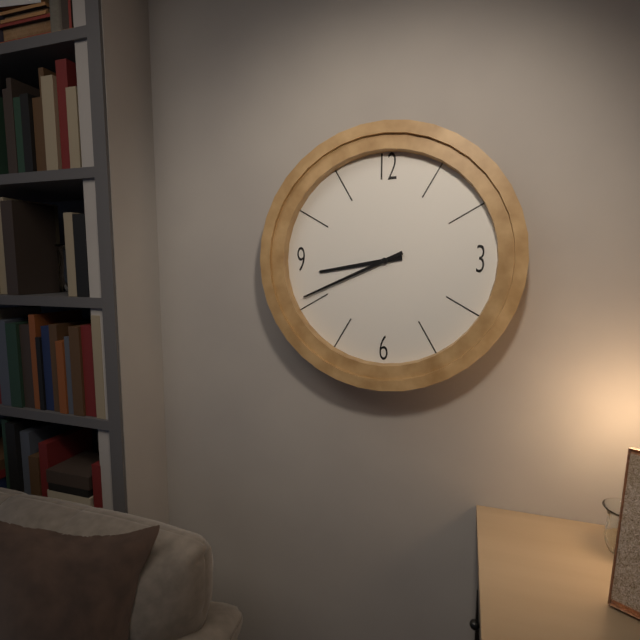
8:41
